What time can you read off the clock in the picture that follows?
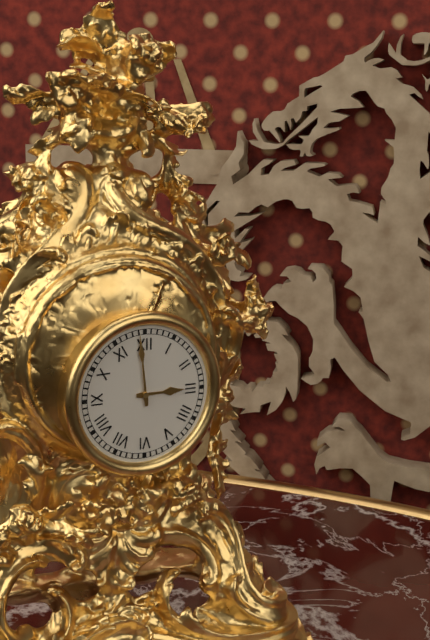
2:59
